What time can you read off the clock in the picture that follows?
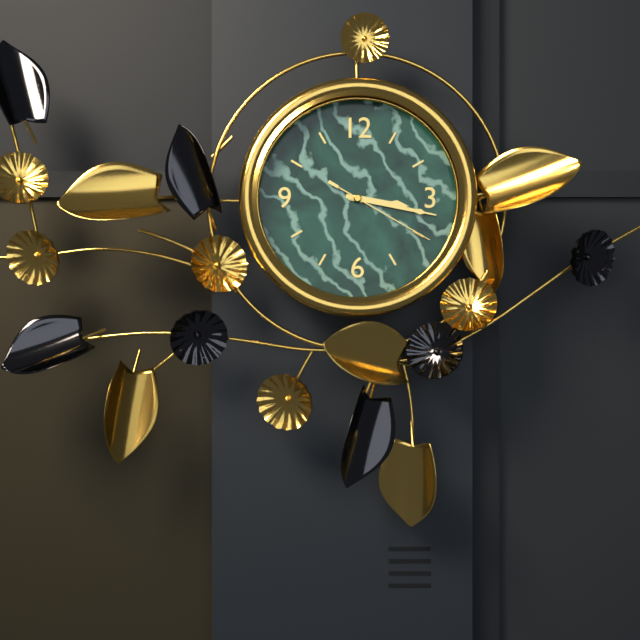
3:17:20
